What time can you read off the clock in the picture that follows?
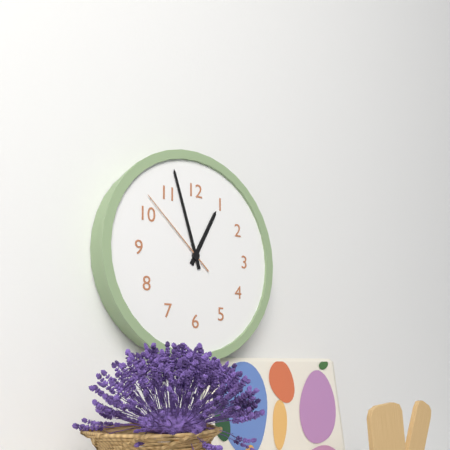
12:57:52
